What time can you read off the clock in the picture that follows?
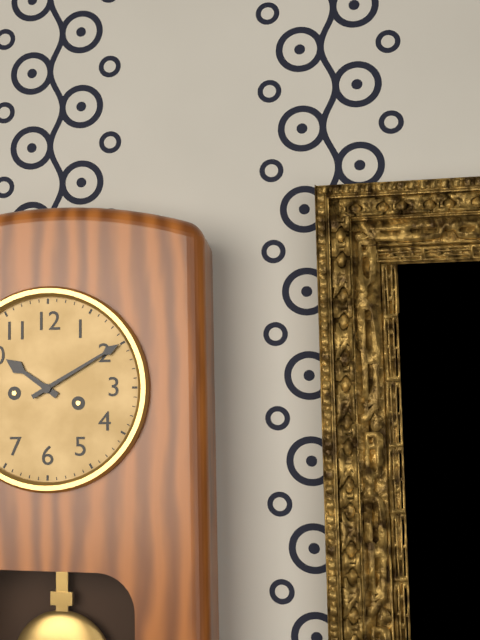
10:10
